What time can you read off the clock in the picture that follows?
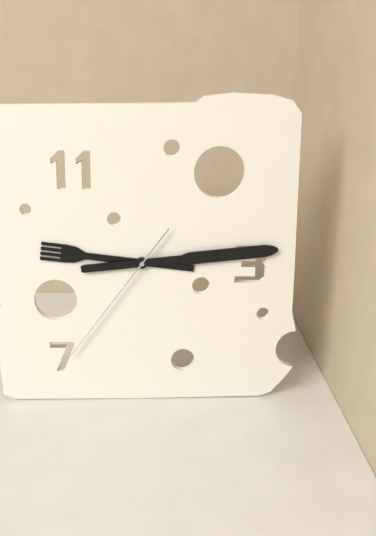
9:14:36
